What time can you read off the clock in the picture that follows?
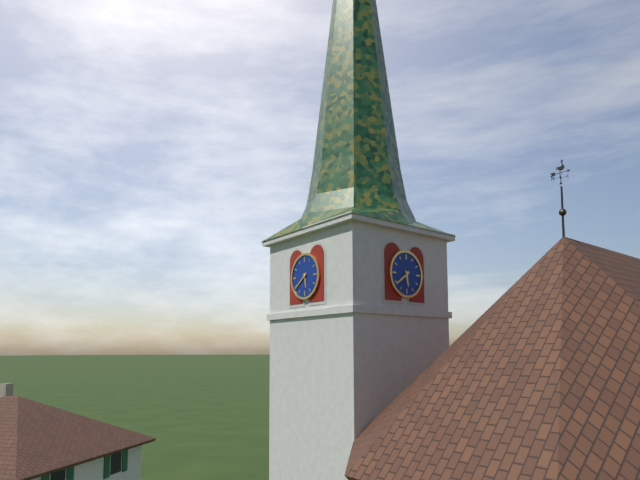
5:39
